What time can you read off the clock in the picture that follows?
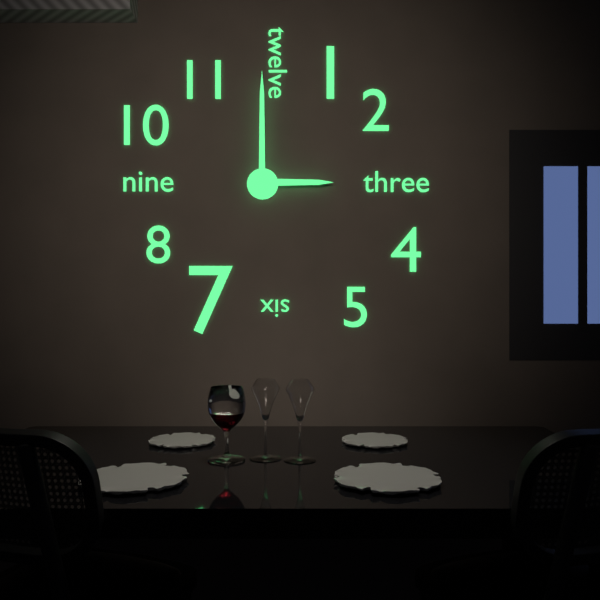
3:00
